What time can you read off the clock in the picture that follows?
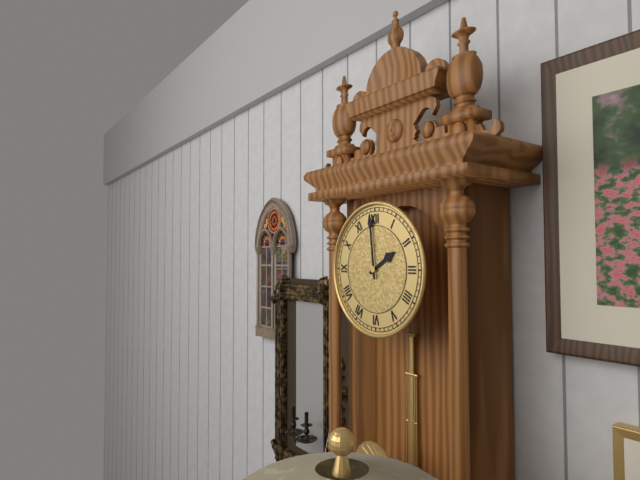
1:59
